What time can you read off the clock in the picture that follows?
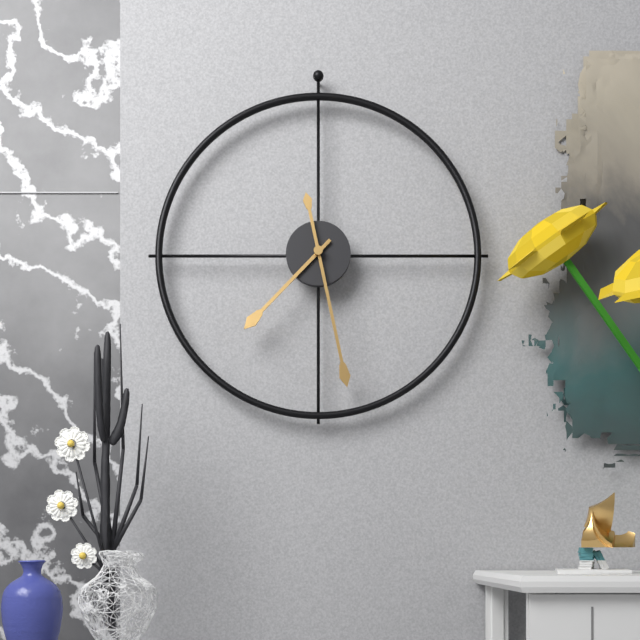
7:28
